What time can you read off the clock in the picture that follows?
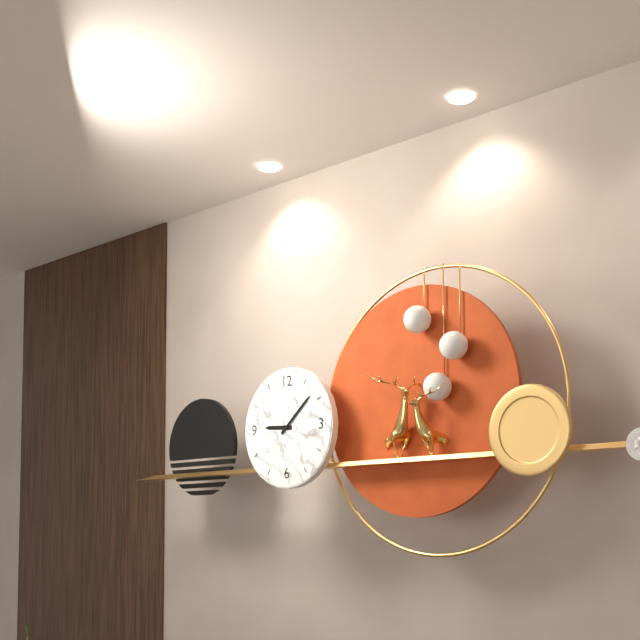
9:08
